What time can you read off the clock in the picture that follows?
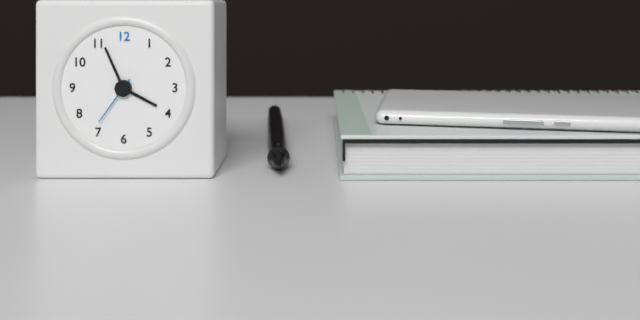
3:56:36
